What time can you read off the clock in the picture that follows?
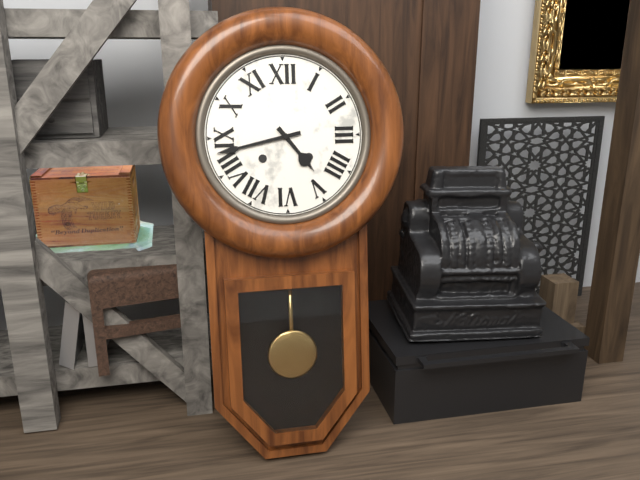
4:43
